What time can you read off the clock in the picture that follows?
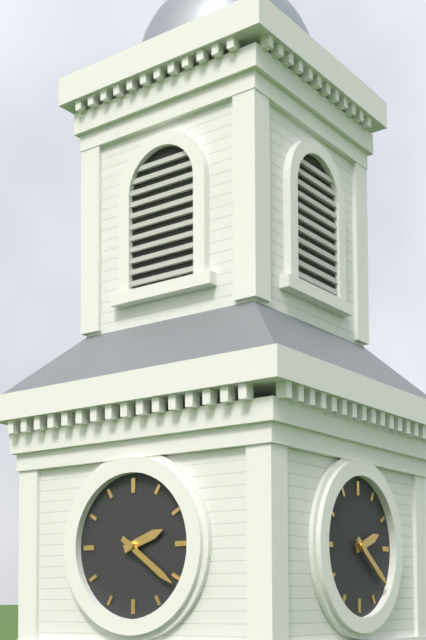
2:21
